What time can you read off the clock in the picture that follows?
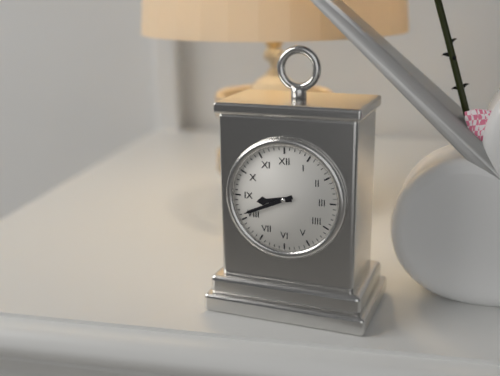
8:41
